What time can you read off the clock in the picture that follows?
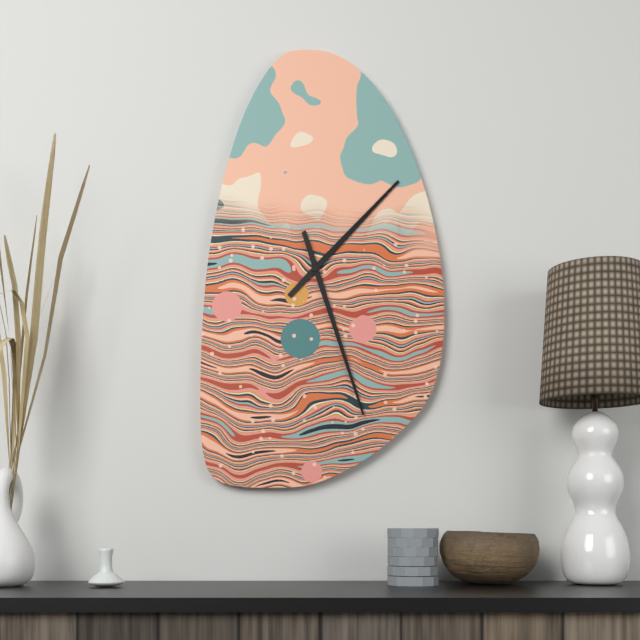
1:27
